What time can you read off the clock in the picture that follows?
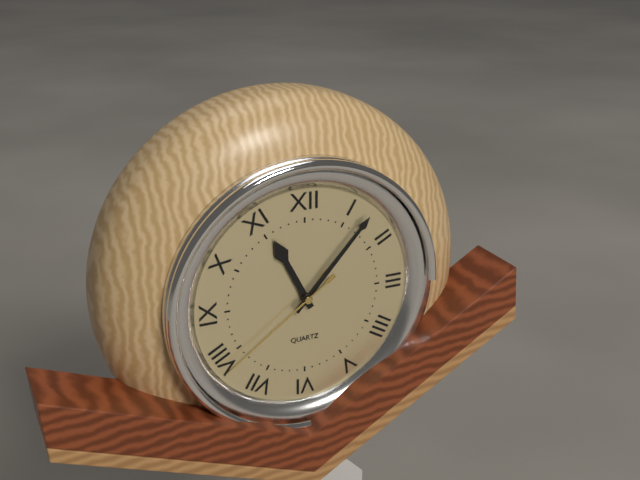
11:07:39
